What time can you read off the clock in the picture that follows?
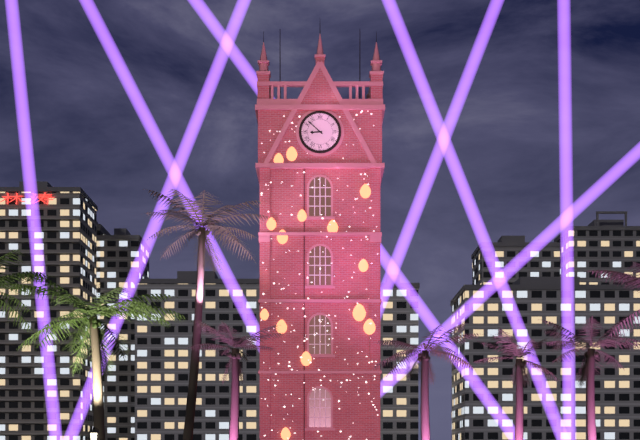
8:52
